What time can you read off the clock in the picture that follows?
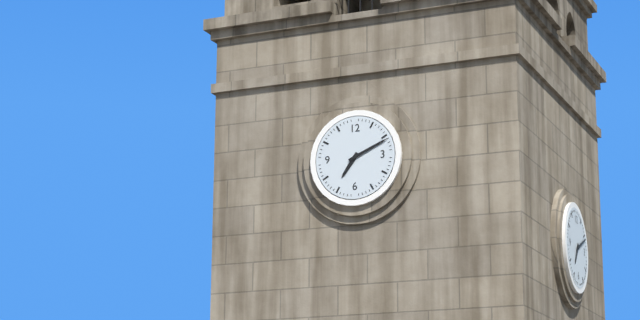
7:11
